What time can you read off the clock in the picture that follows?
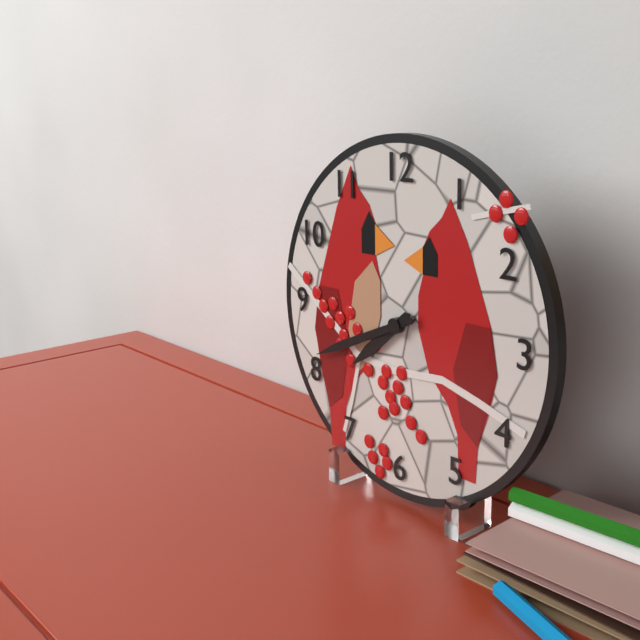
7:41
